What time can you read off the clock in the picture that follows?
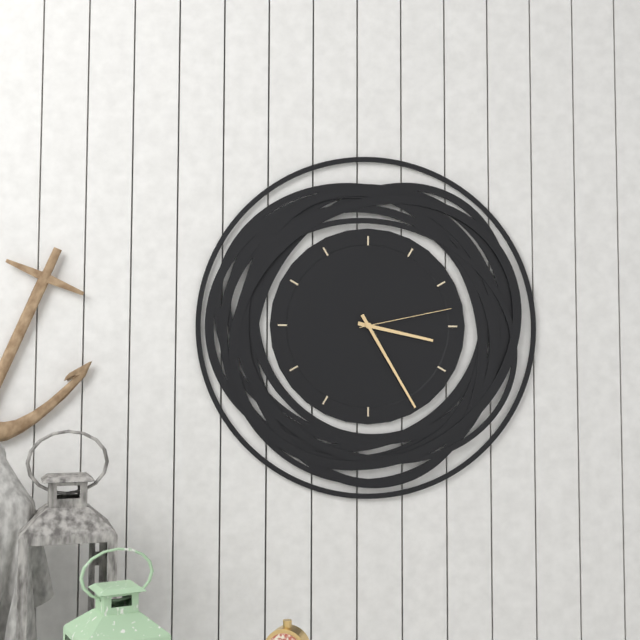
3:25:13
